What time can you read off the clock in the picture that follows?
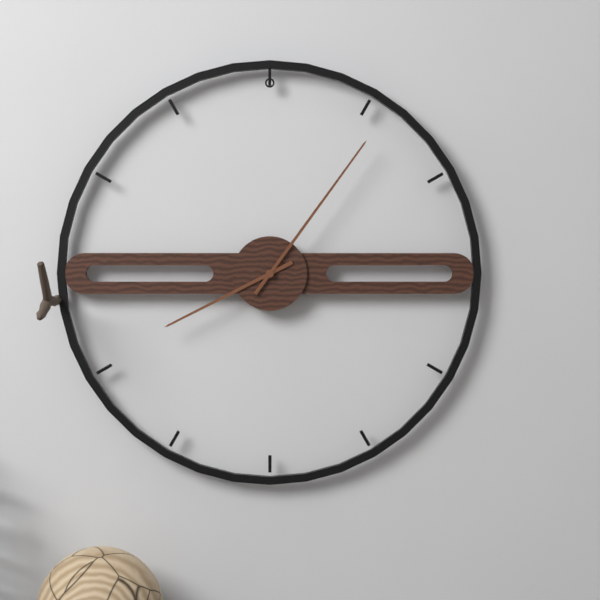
8:06
